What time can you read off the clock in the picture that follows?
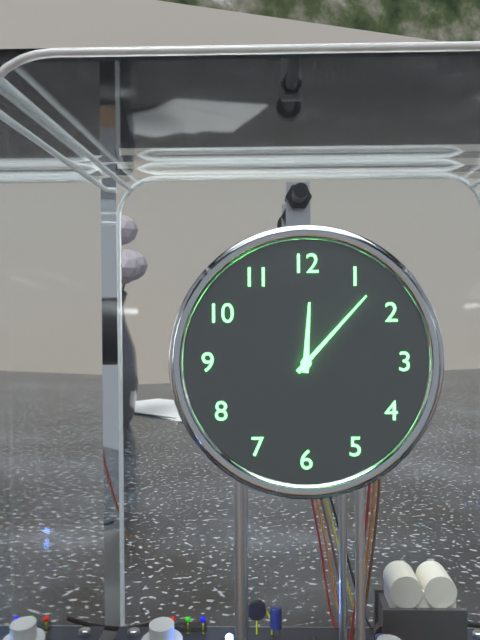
12:07
